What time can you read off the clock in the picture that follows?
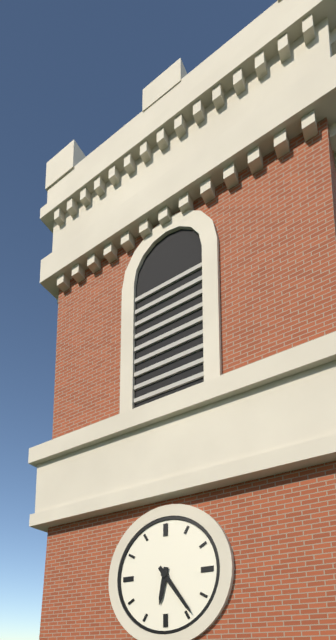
6:24
